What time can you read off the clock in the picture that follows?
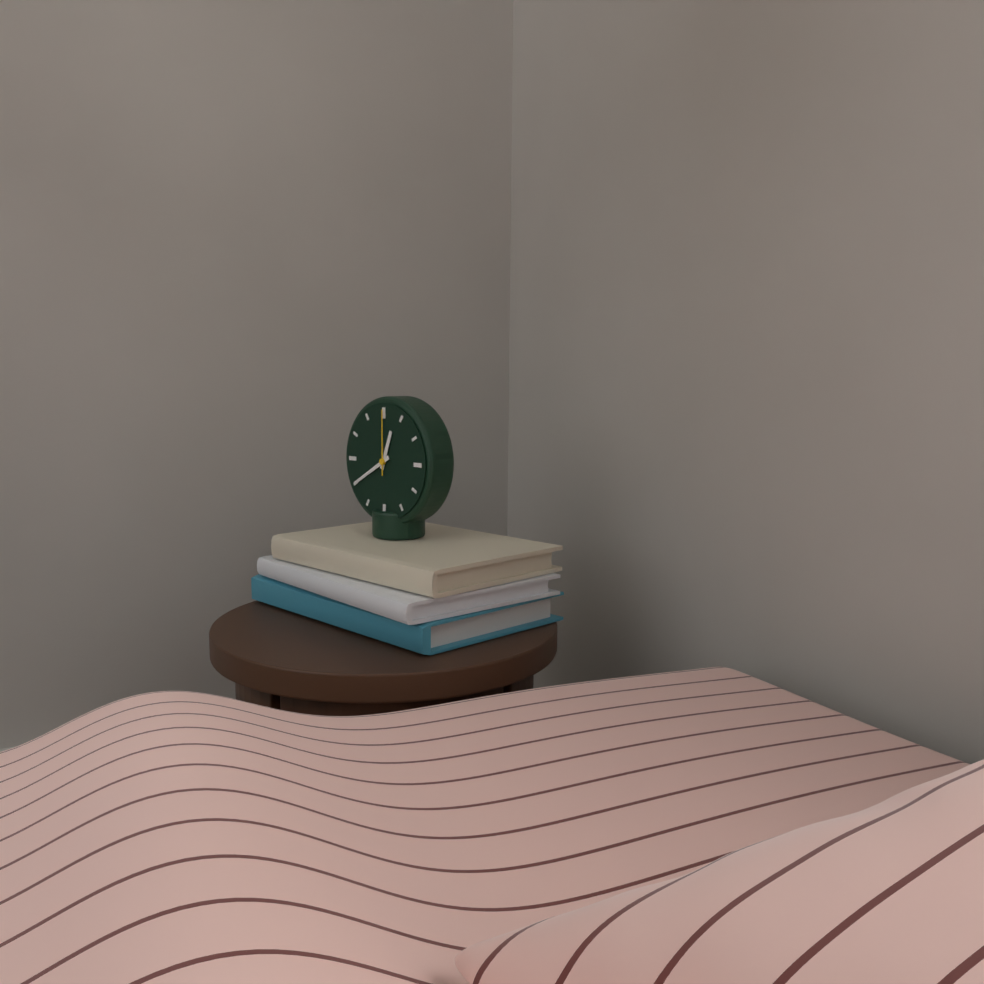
12:40:00
